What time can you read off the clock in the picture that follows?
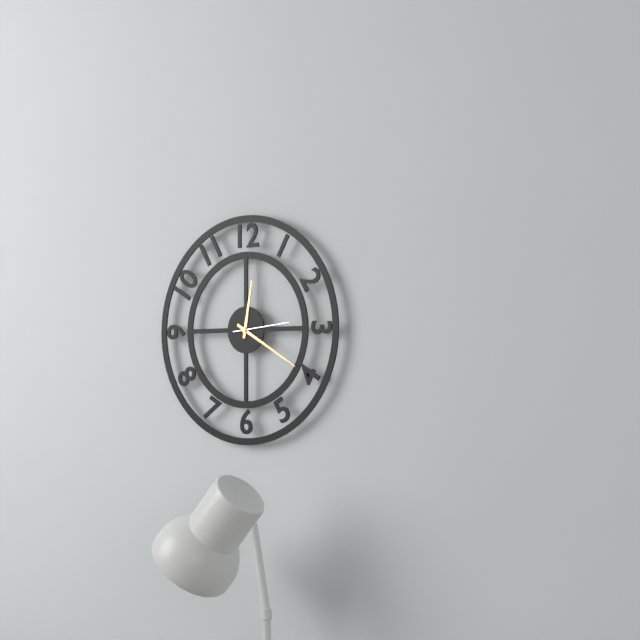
12:20:14
